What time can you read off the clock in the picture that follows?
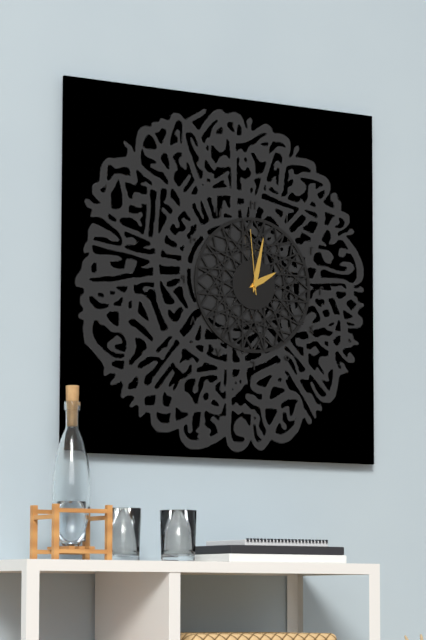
2:02:59
